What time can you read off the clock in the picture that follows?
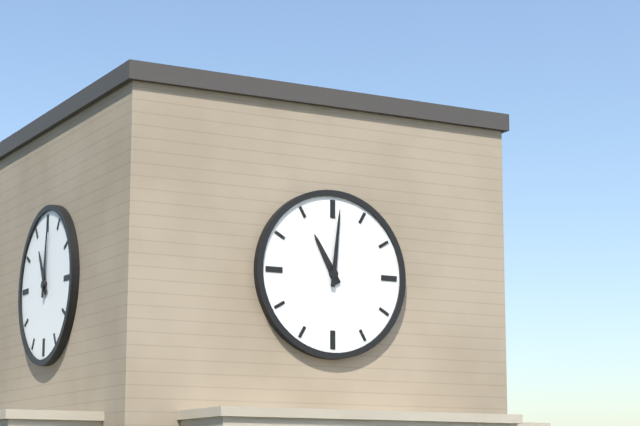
11:01
